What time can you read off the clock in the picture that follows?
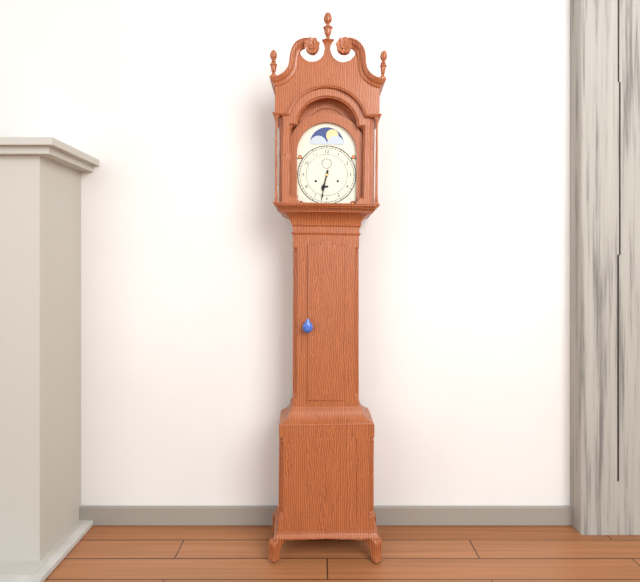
6:32
